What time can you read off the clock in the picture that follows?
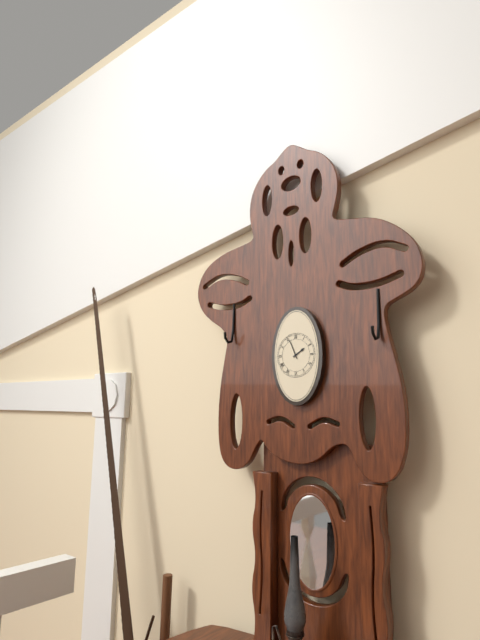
1:56
